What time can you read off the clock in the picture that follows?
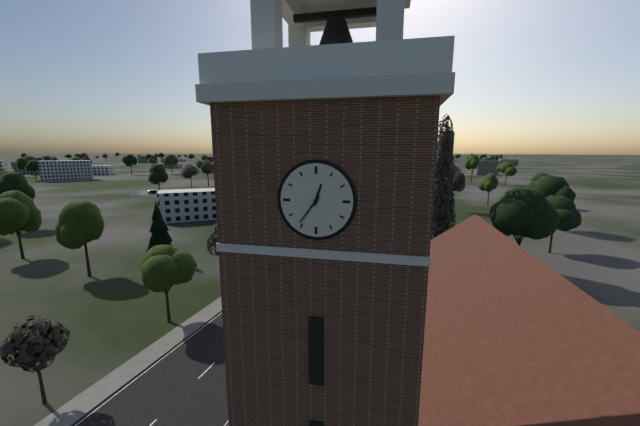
12:36
